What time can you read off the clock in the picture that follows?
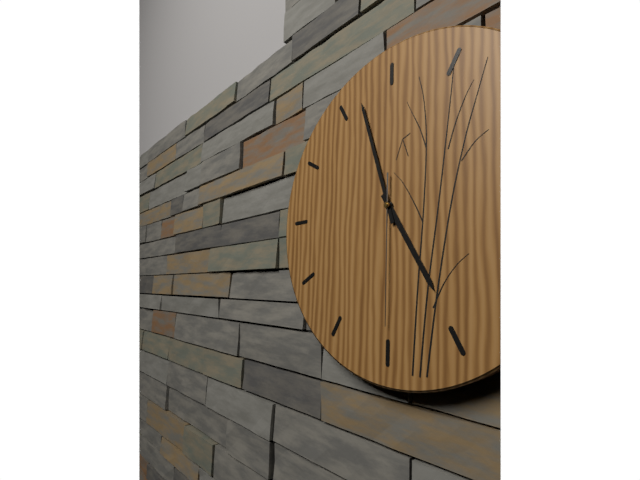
4:57:30
